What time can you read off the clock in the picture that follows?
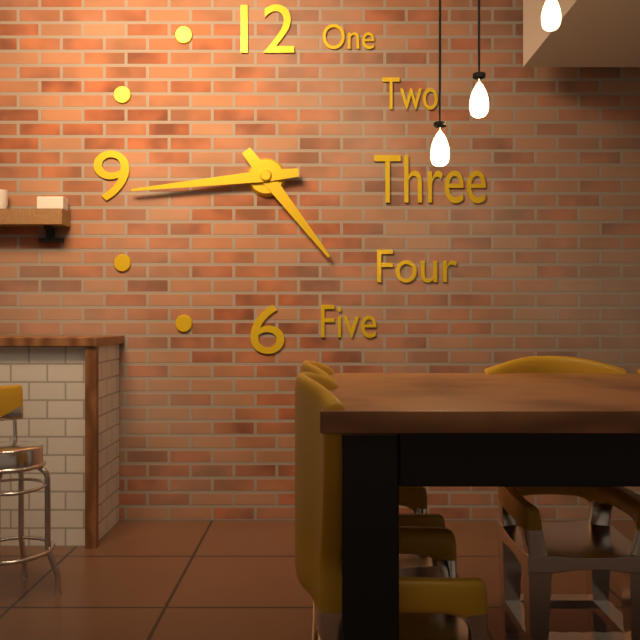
4:44
